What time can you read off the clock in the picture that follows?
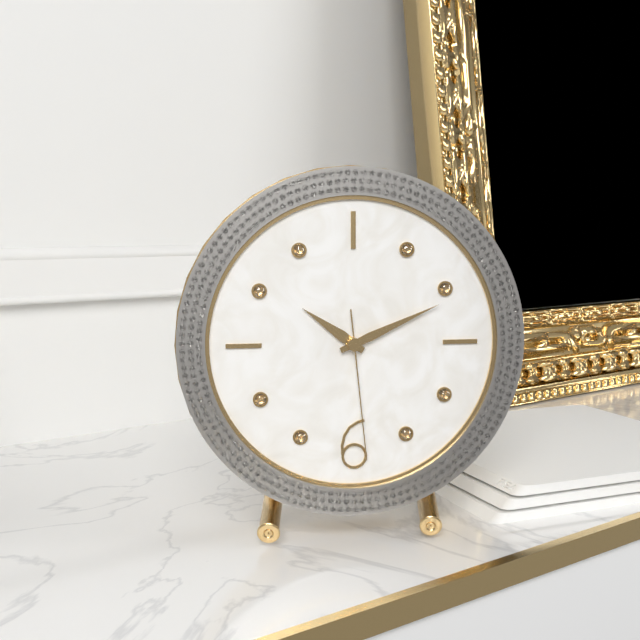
10:11:29
